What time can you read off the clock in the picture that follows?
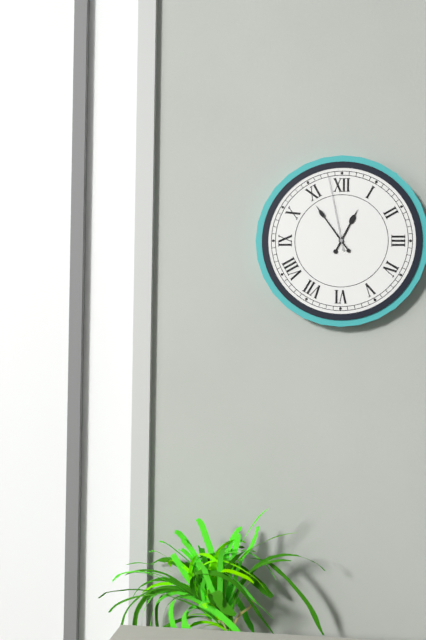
12:54:58
